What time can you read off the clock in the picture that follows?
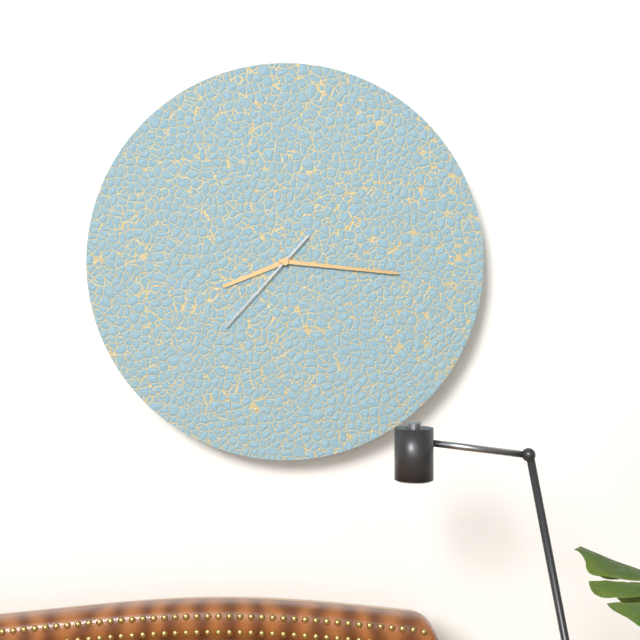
8:16:37
